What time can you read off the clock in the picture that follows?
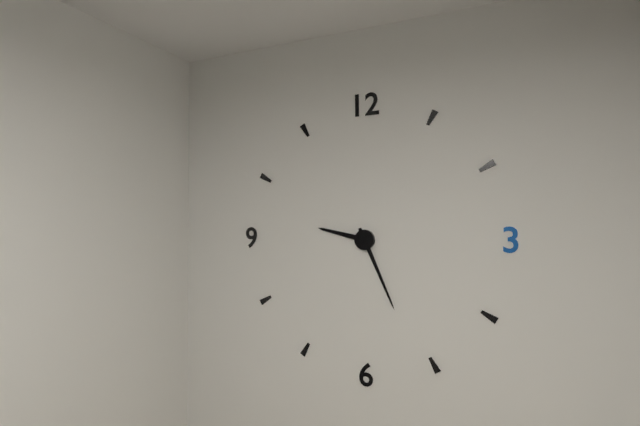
9:26
